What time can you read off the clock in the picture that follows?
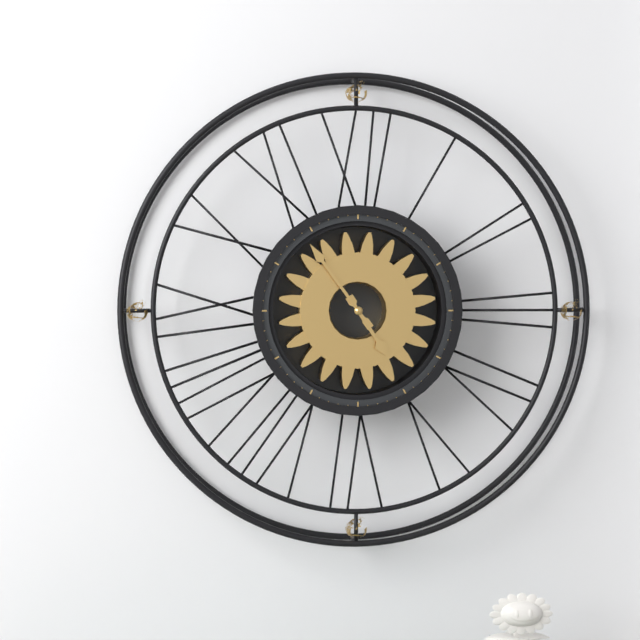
4:54
